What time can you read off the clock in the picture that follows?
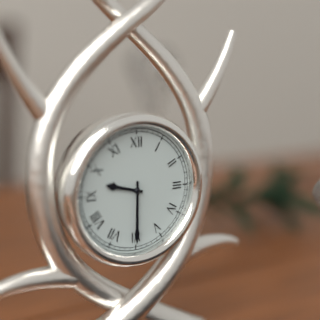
9:30
